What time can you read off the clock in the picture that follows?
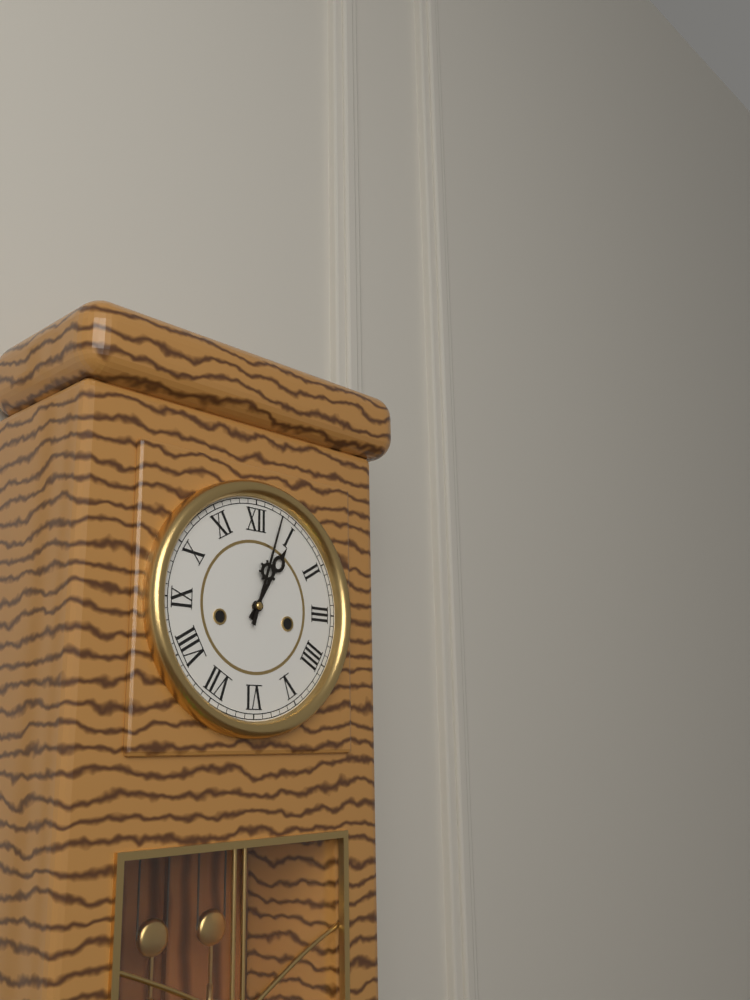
1:03
